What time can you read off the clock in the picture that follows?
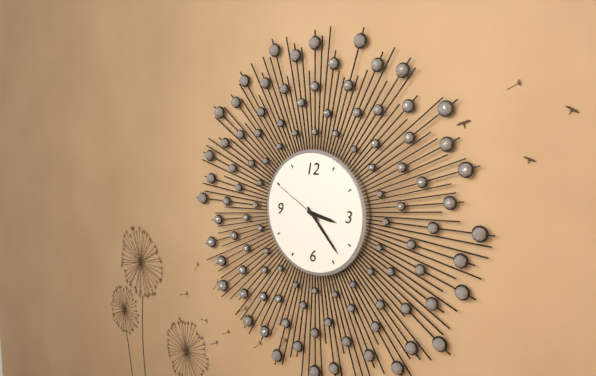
3:23:50
